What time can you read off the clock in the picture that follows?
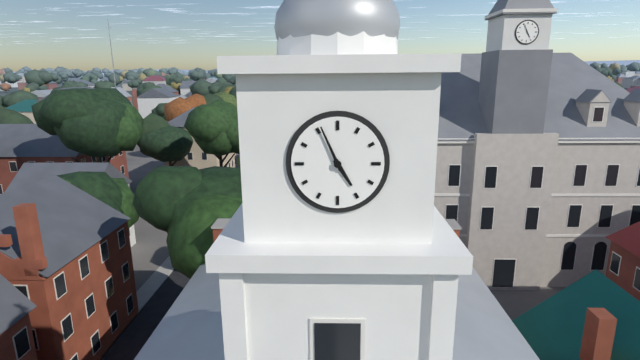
4:56
